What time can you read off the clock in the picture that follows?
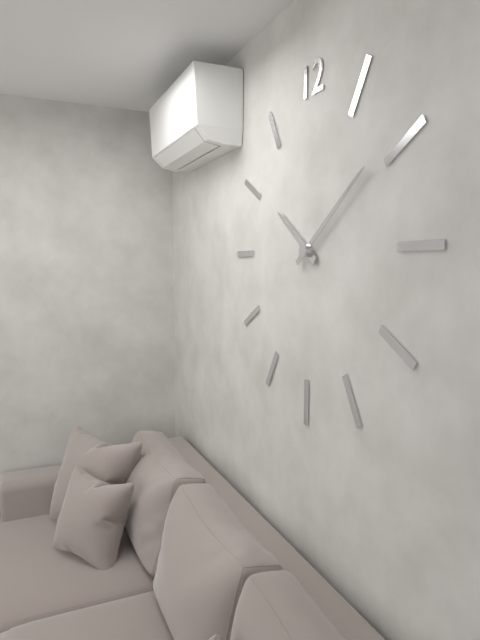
10:09
